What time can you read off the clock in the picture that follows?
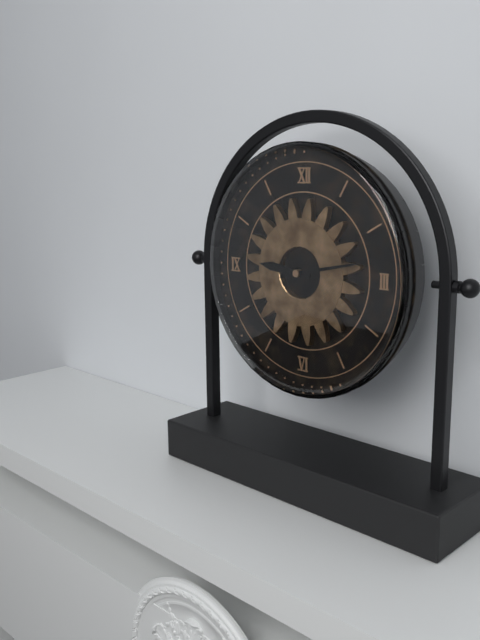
9:13
